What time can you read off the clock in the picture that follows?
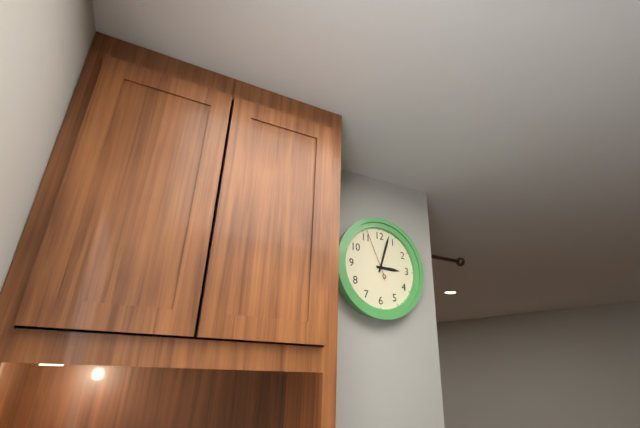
3:03:56
